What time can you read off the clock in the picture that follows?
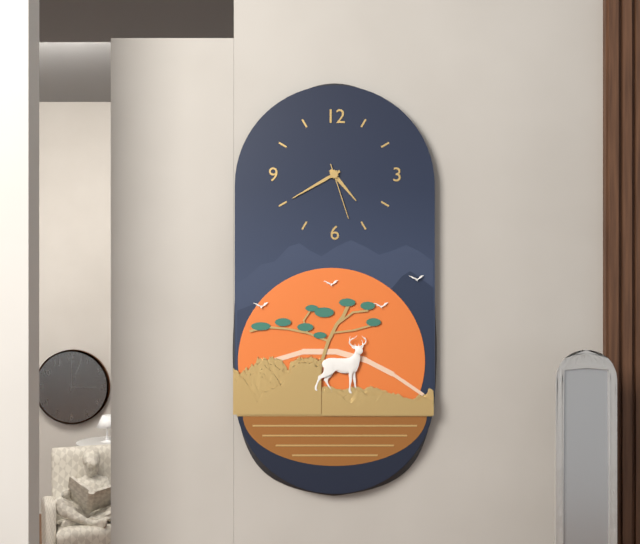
4:40:27
